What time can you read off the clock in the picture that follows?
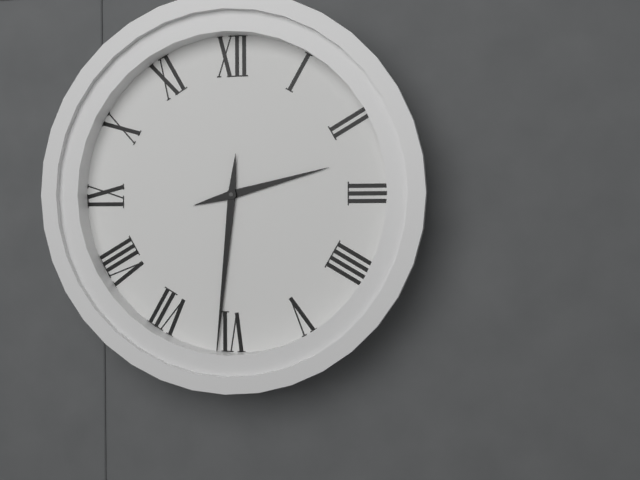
2:31
